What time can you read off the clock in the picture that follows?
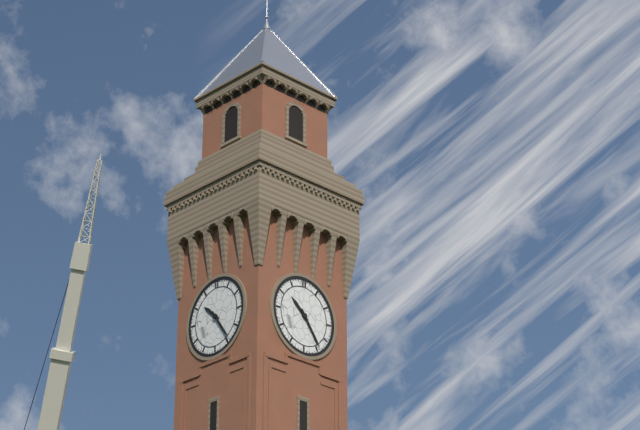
10:24
